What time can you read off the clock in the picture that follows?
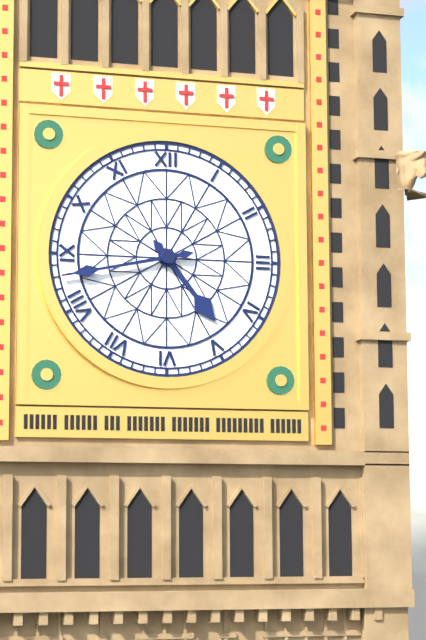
4:43
